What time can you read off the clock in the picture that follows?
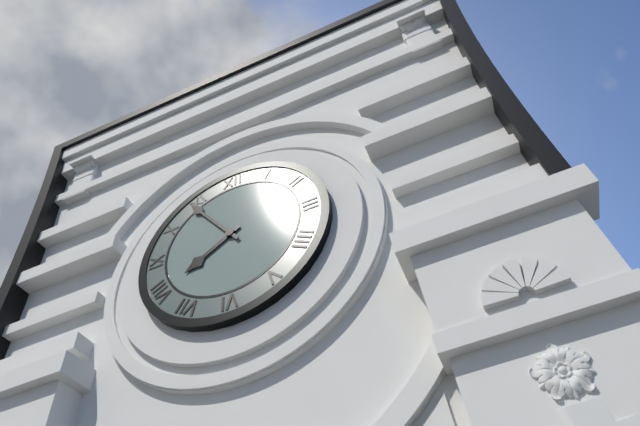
7:54
